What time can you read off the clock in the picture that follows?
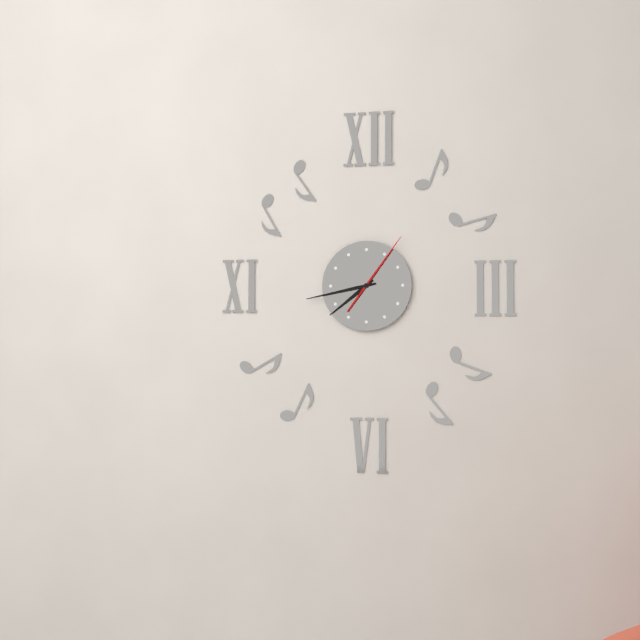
7:43:06
